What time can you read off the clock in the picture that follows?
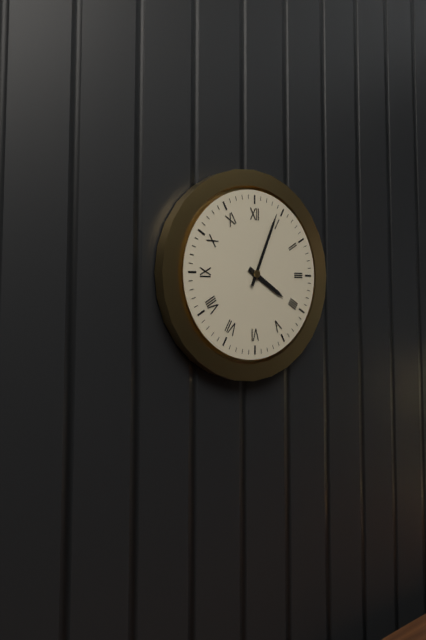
4:04
